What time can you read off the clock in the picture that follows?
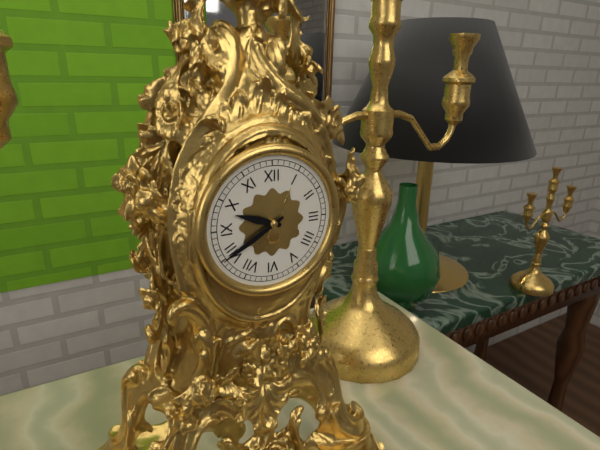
9:40
